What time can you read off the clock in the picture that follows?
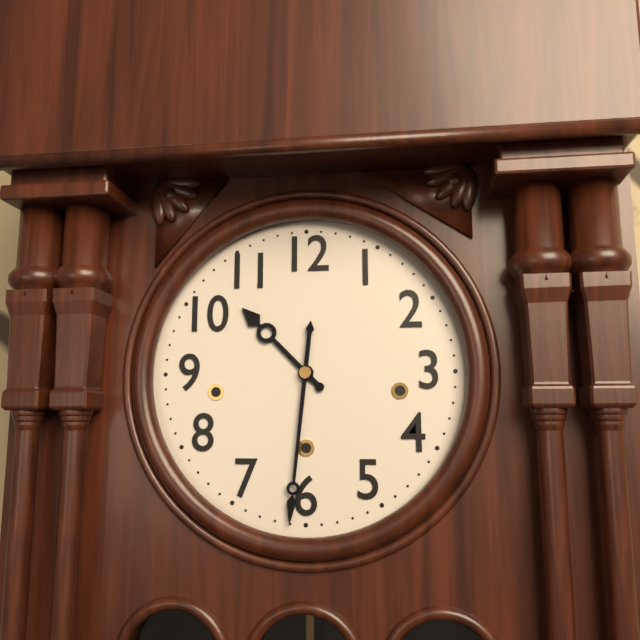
10:31
